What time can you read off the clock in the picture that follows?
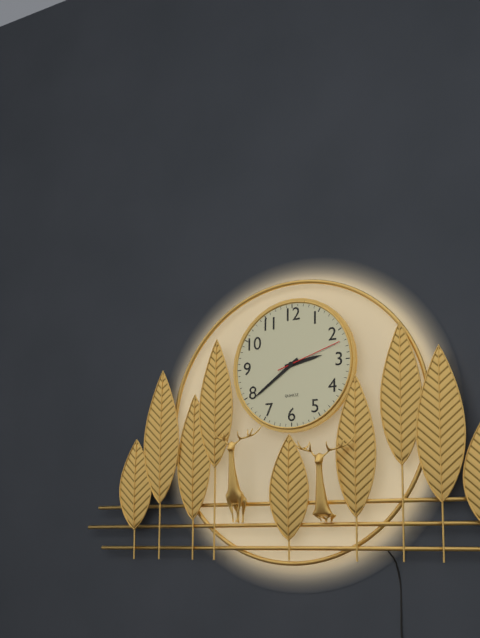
2:39:12
